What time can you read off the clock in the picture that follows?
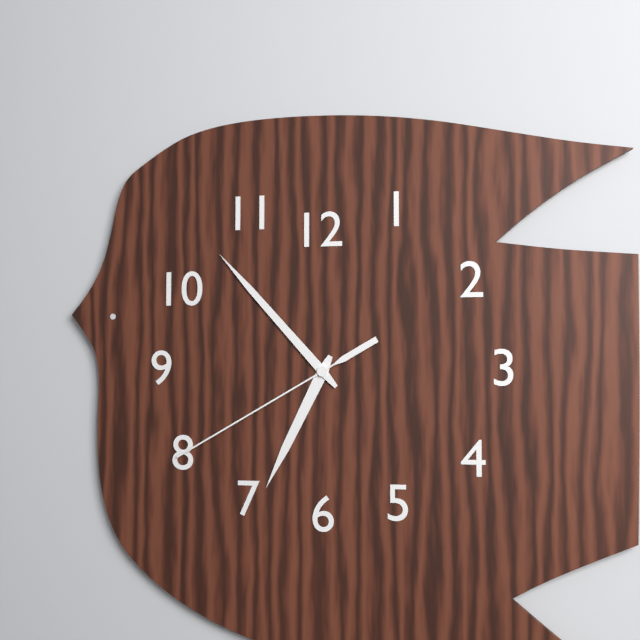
6:53:40
